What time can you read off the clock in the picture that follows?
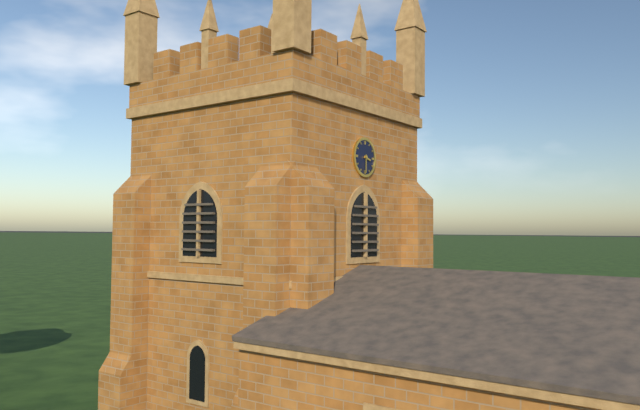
3:30
